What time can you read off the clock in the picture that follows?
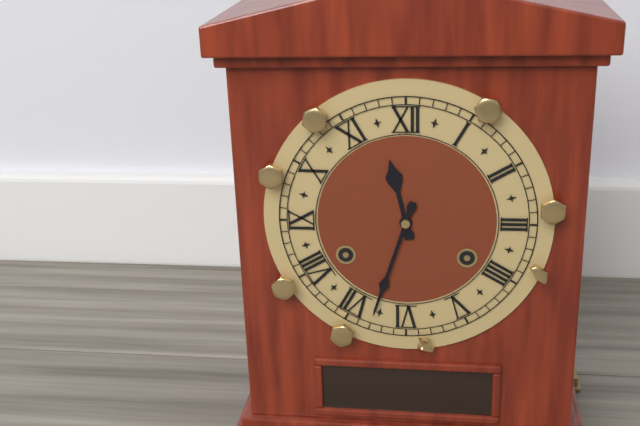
11:33
